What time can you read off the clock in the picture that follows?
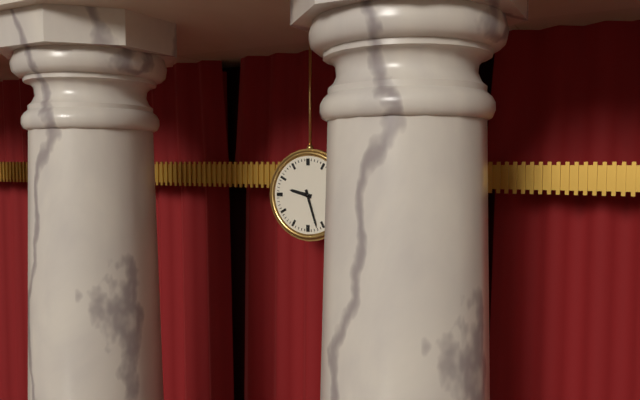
9:27
